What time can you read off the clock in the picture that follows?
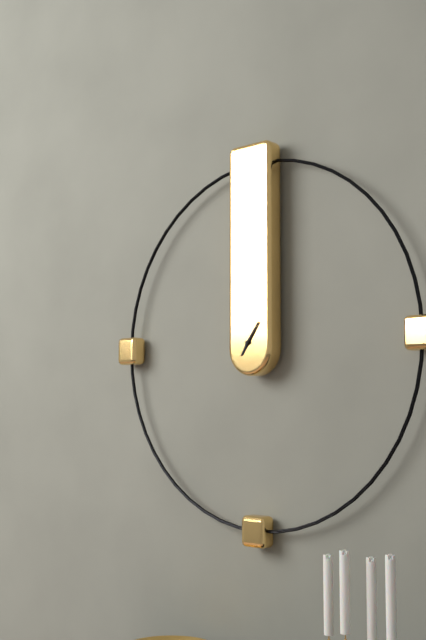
7:06
